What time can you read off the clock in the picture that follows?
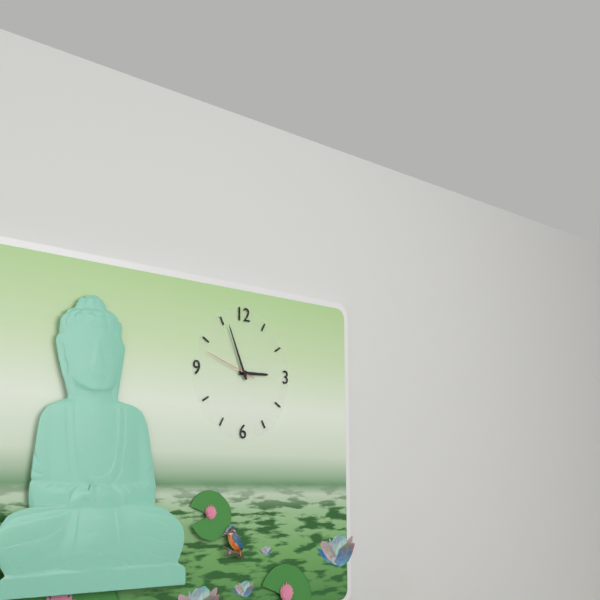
2:56:48
